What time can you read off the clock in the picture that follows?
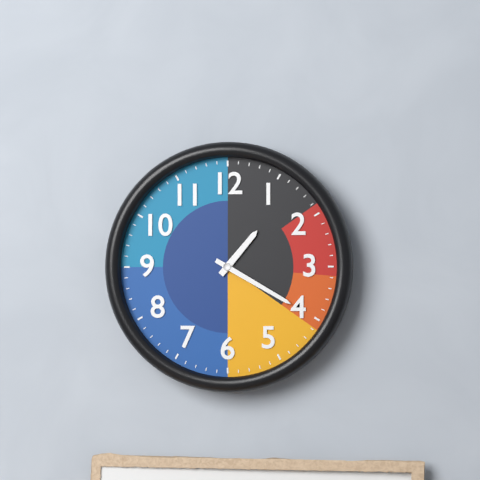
1:20
